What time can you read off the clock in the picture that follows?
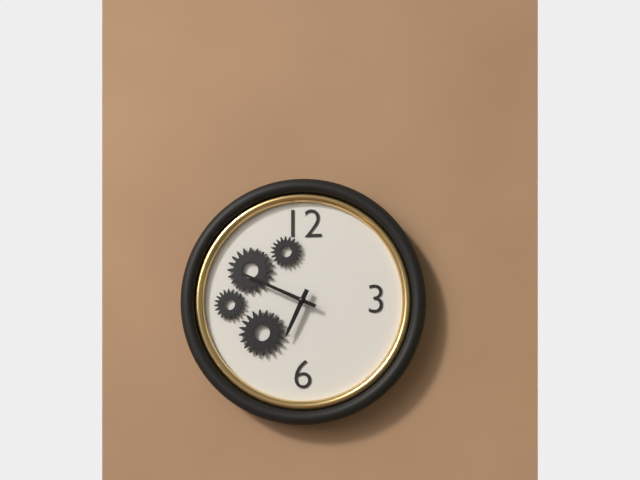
6:49
